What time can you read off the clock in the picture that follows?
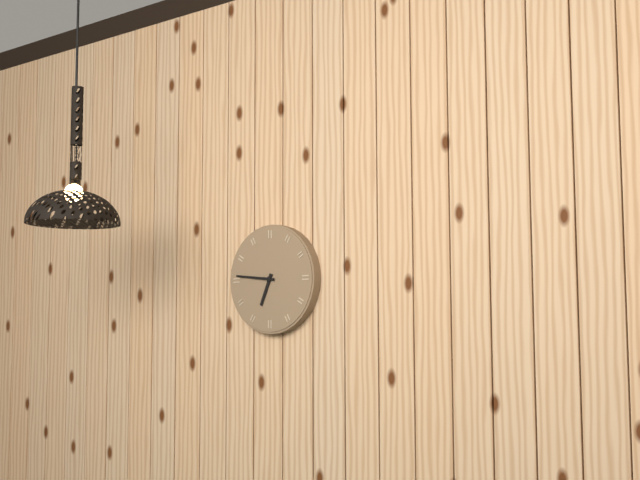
6:46
